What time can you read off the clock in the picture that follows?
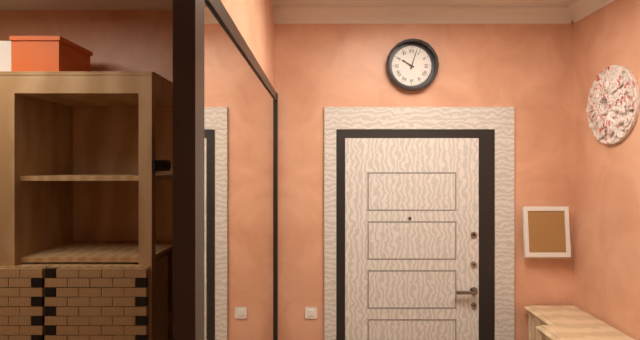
10:03
